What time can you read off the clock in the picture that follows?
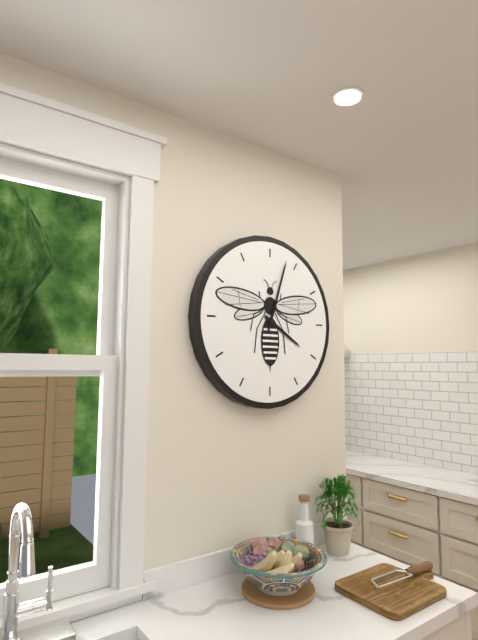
4:03
